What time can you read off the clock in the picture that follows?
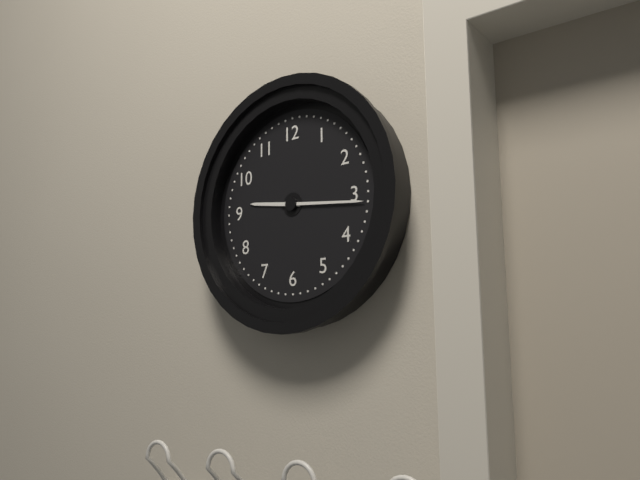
9:16
